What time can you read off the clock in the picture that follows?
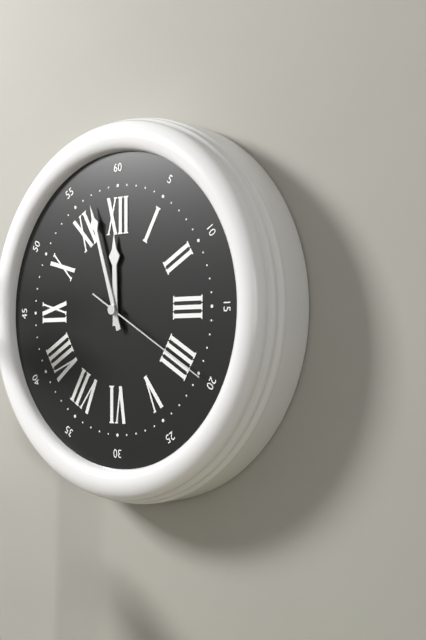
11:57:20
